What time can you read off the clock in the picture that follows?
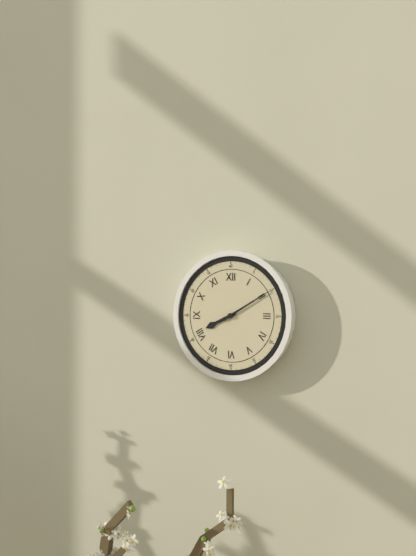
8:10
